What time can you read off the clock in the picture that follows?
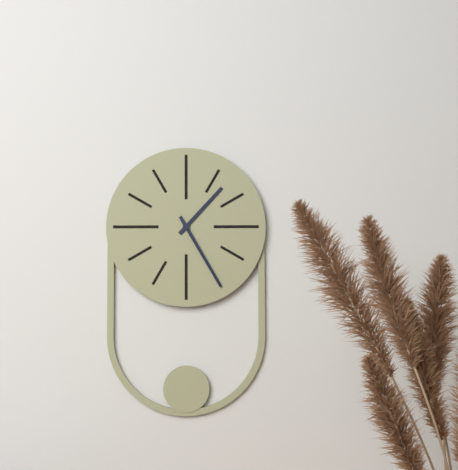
1:25
